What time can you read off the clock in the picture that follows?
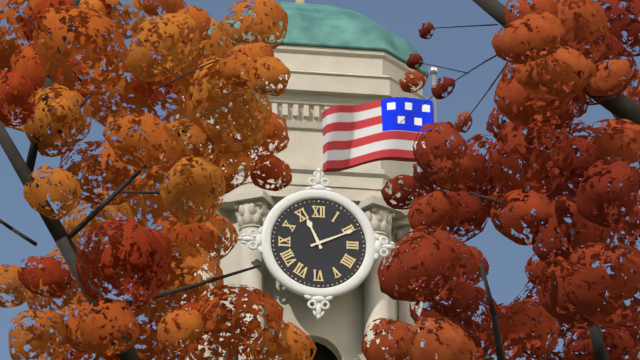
11:11
